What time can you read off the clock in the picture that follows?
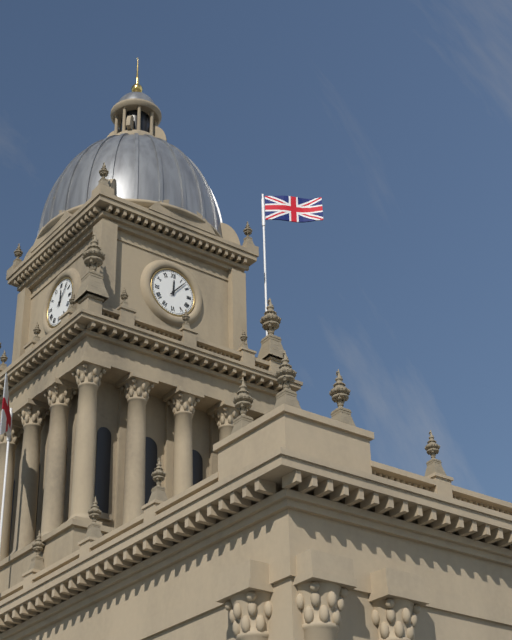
12:07
